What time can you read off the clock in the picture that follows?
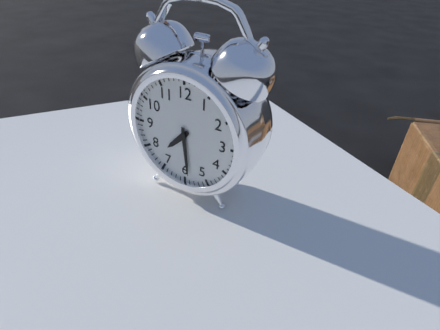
7:29
